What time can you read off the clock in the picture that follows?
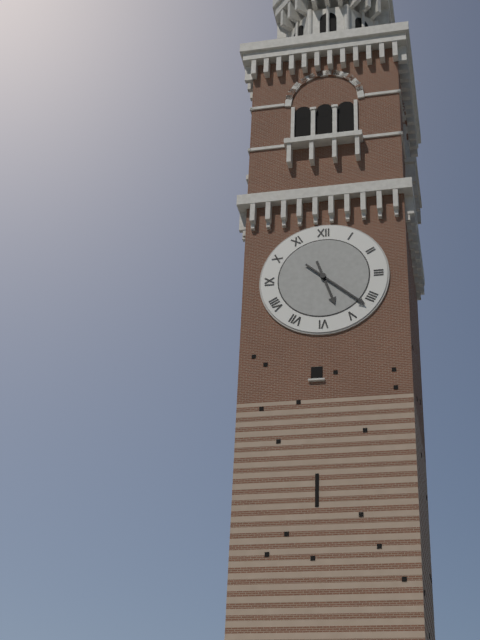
5:22
